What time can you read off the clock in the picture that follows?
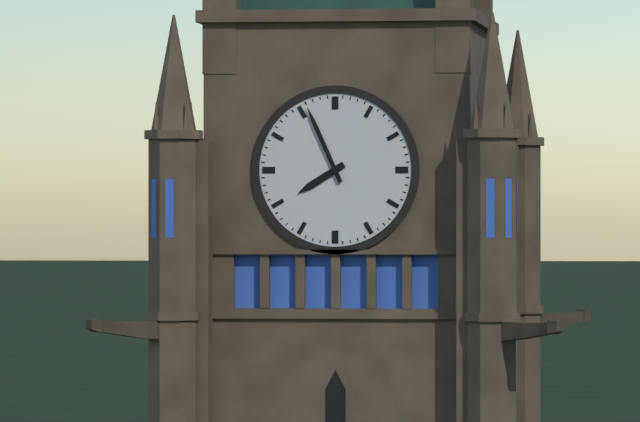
7:56
